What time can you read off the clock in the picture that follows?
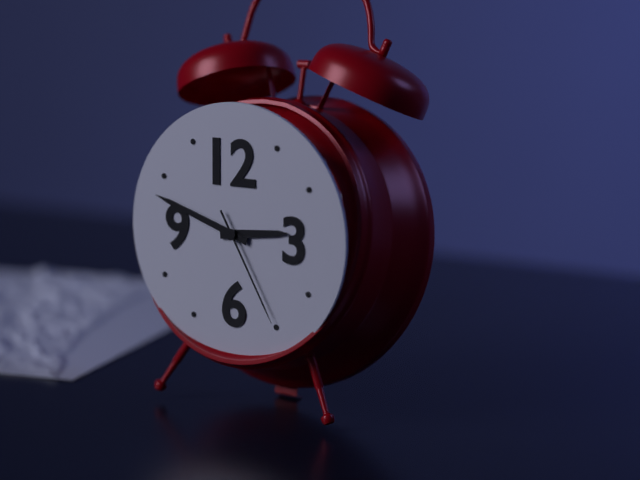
2:48:25
